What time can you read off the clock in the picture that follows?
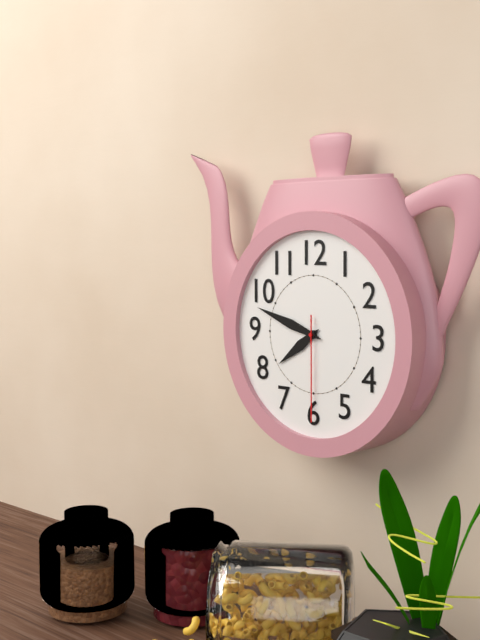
7:48:30
